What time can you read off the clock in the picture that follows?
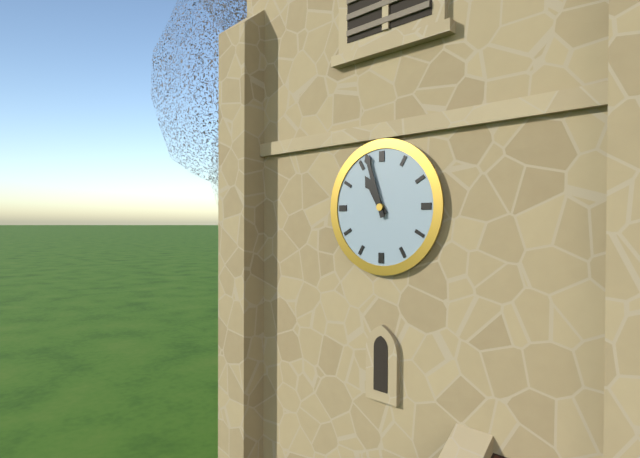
10:57
